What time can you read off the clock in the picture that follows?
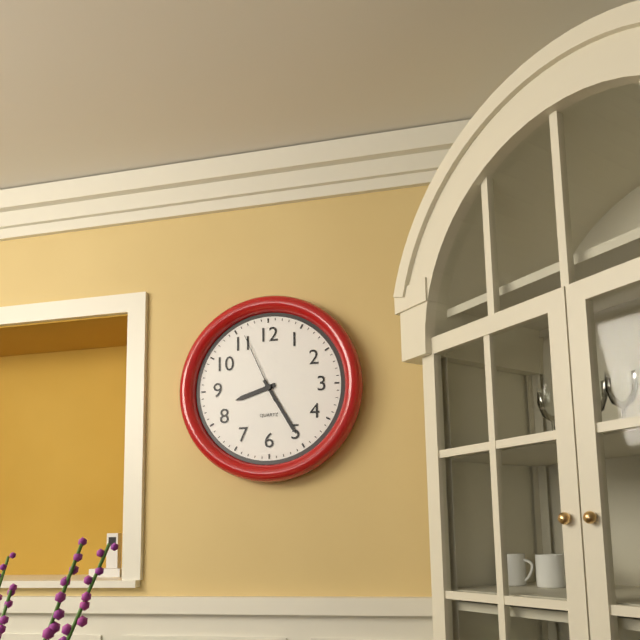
8:25:56
